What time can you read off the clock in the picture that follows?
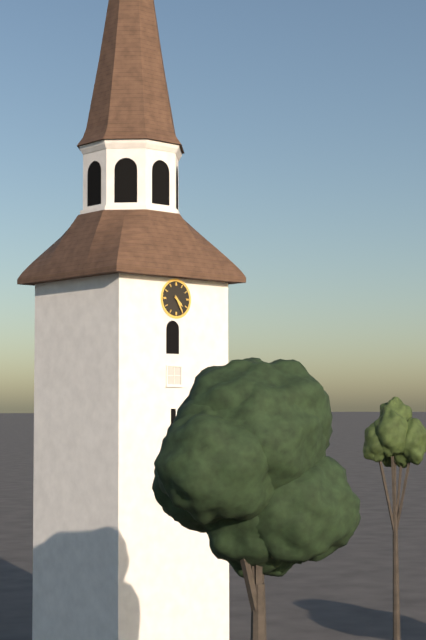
4:25
